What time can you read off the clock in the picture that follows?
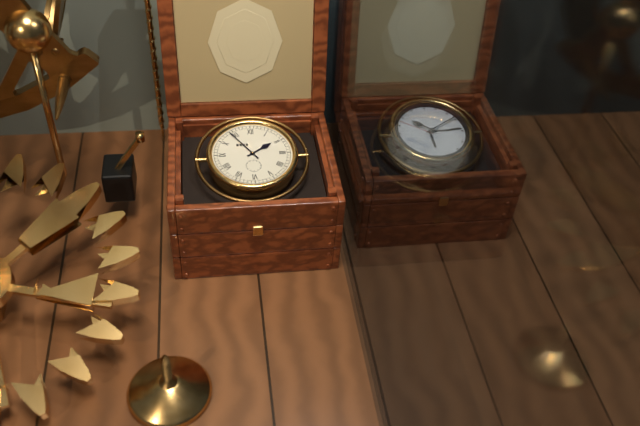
1:54
